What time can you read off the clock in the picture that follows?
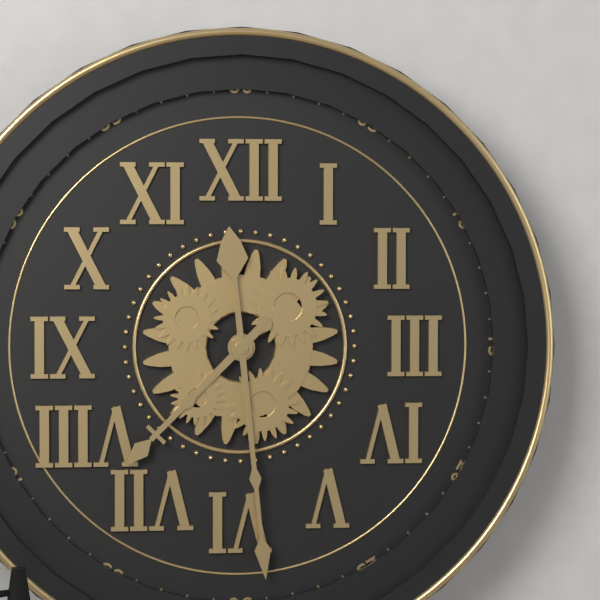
7:29
